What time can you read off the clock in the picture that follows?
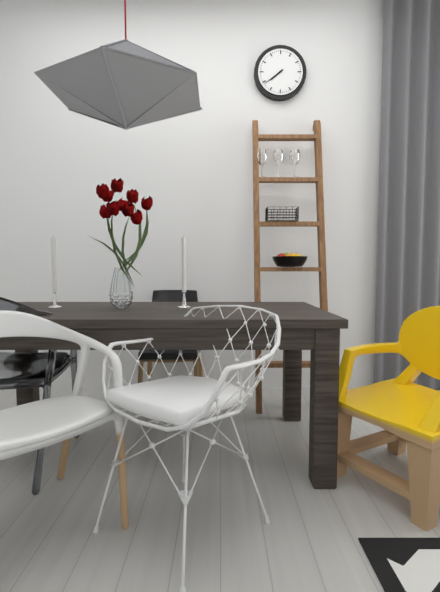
7:39
